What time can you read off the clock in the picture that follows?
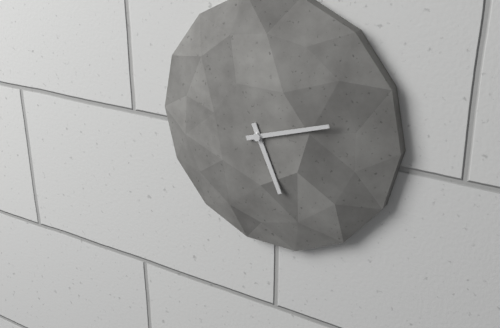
5:12
